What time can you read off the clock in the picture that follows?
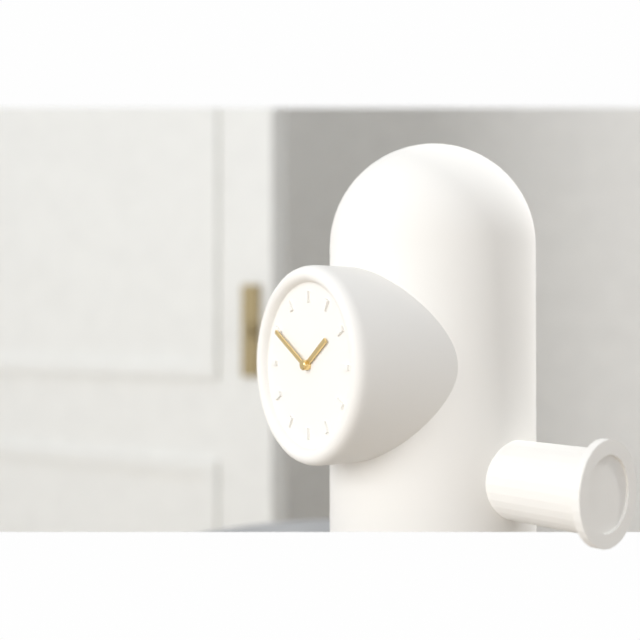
1:50
